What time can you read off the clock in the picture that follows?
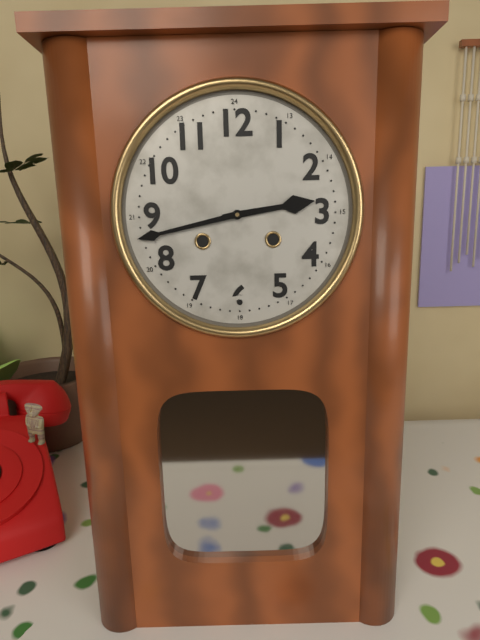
2:43
